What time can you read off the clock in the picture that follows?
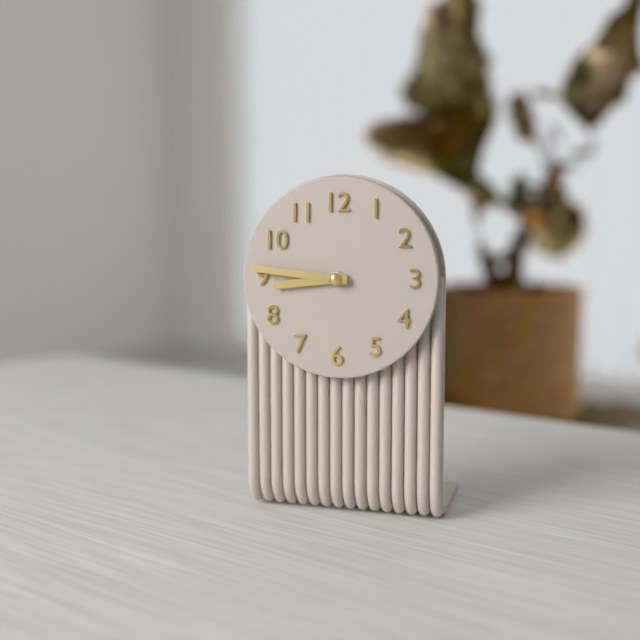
8:46
